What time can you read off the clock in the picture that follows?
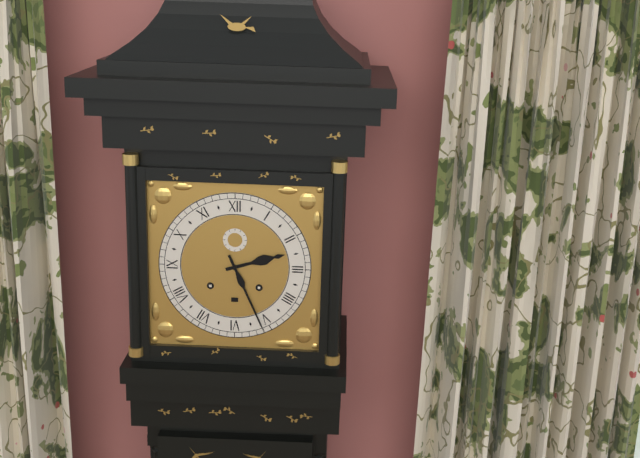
2:26
